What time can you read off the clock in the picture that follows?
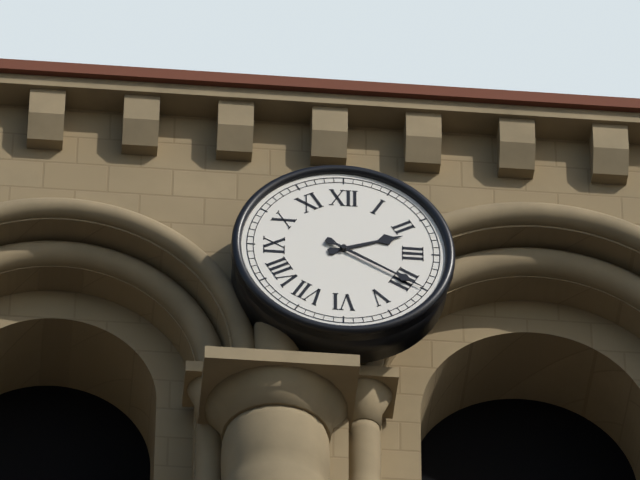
2:20
